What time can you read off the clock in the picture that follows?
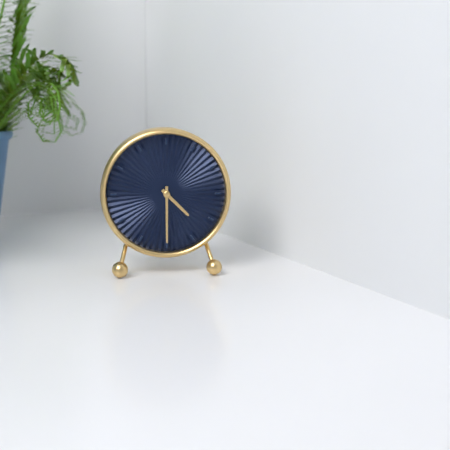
4:30
